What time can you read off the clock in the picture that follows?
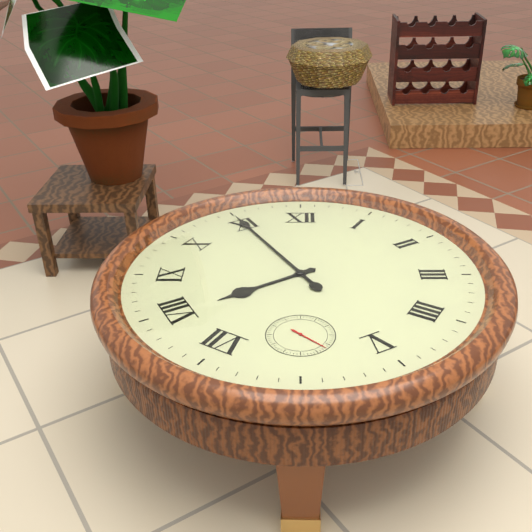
7:55
